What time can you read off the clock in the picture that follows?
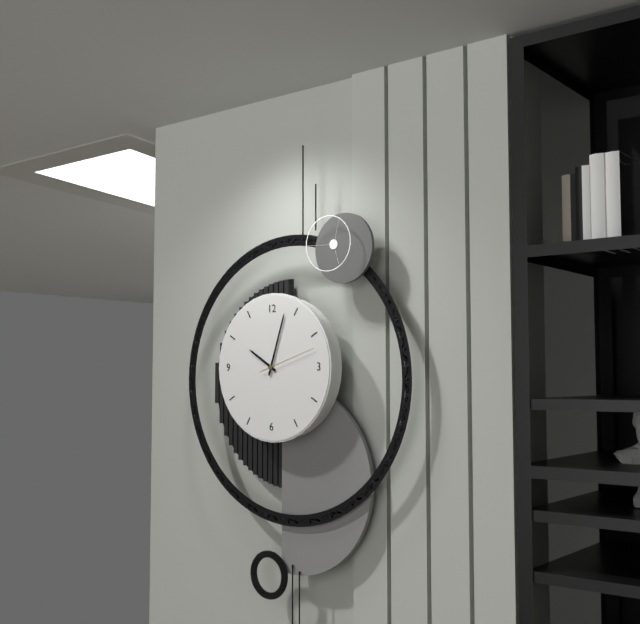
10:03:12
